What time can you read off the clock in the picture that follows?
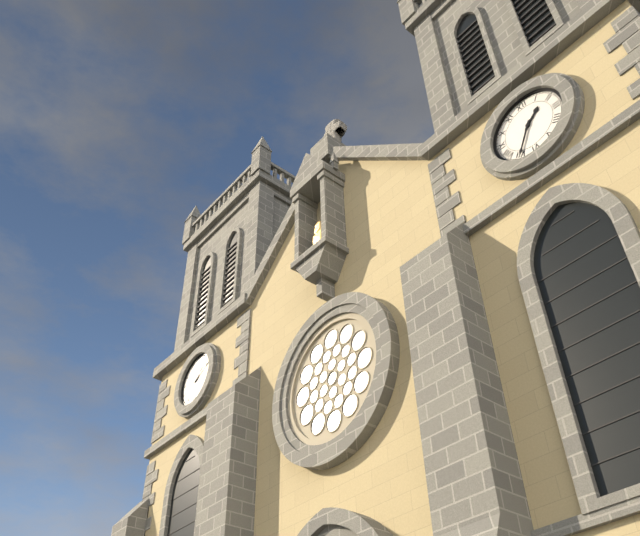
1:35
